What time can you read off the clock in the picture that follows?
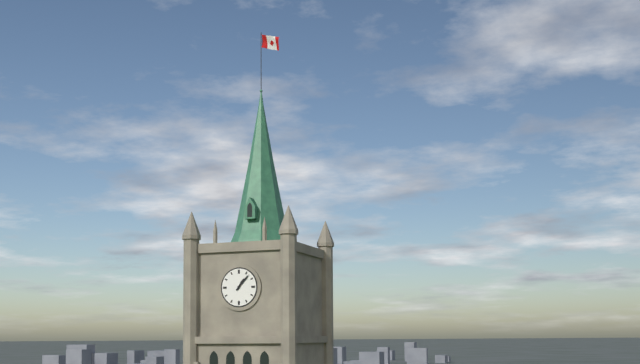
1:07
